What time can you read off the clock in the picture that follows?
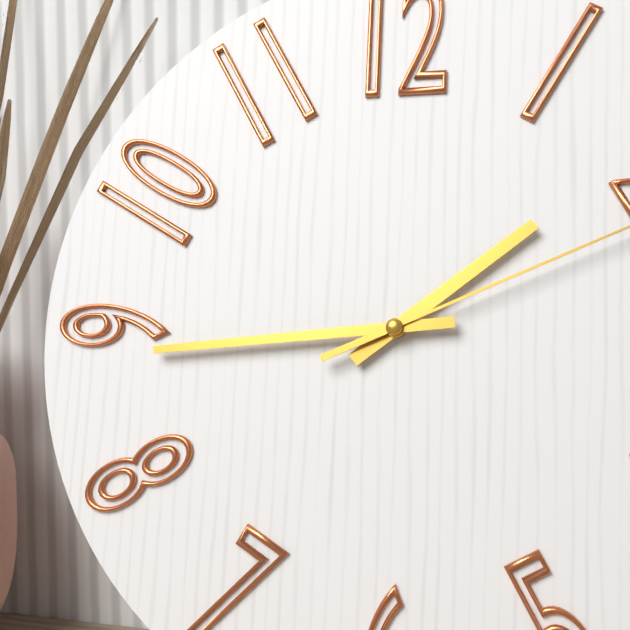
1:44
